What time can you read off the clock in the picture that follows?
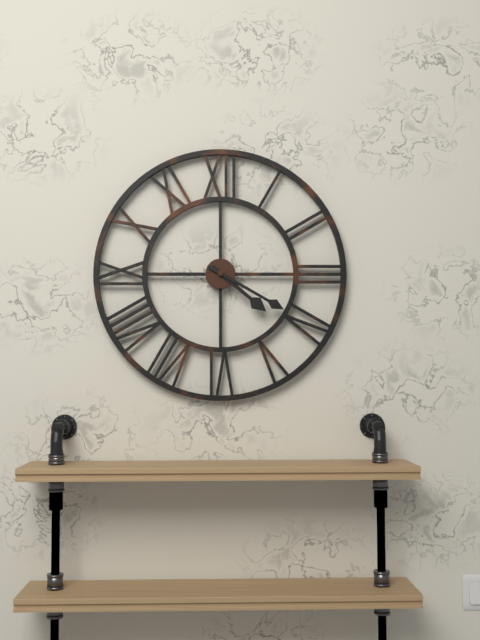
4:20
